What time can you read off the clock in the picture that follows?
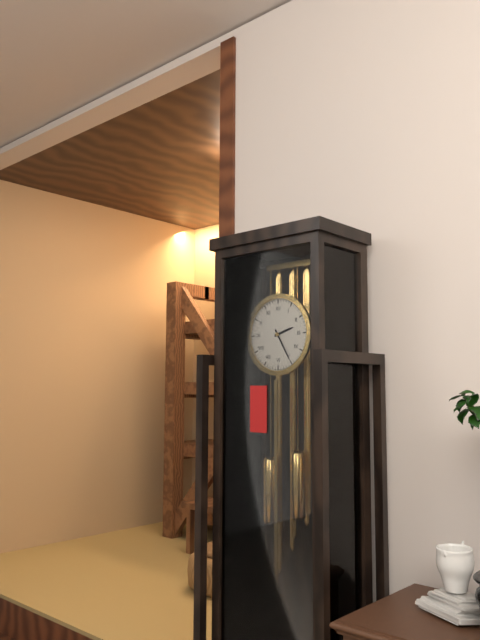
2:25
